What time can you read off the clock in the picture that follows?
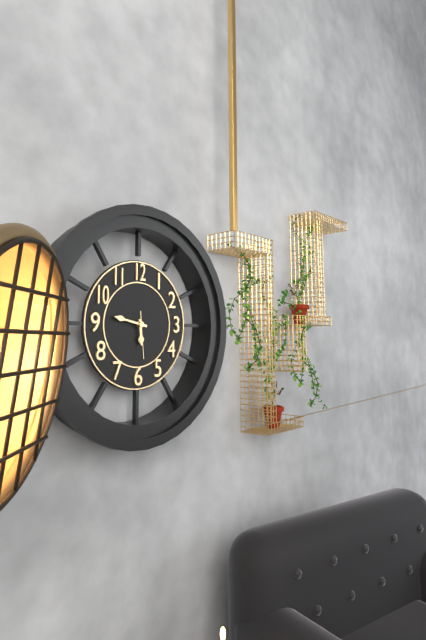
5:47
